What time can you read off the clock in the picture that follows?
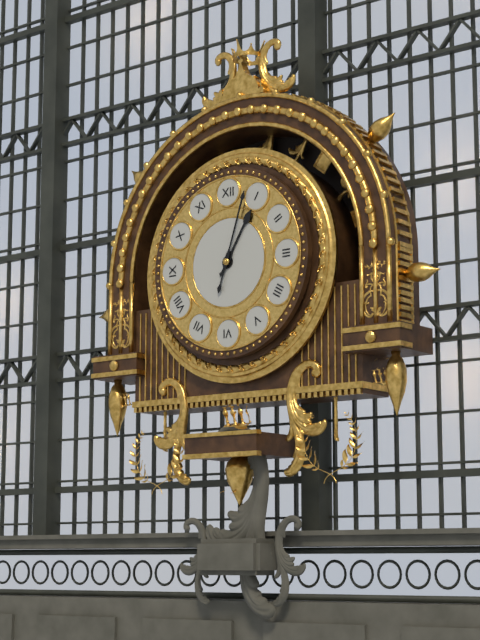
1:03
